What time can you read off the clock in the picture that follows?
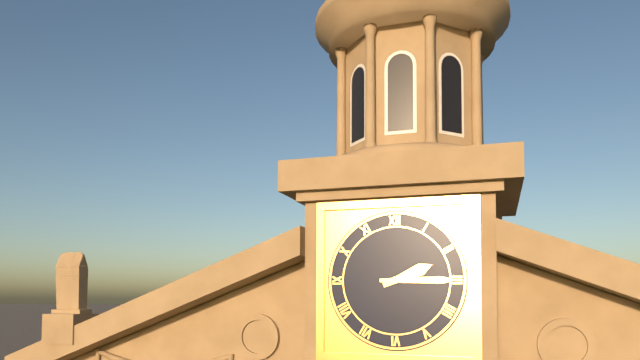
2:15
